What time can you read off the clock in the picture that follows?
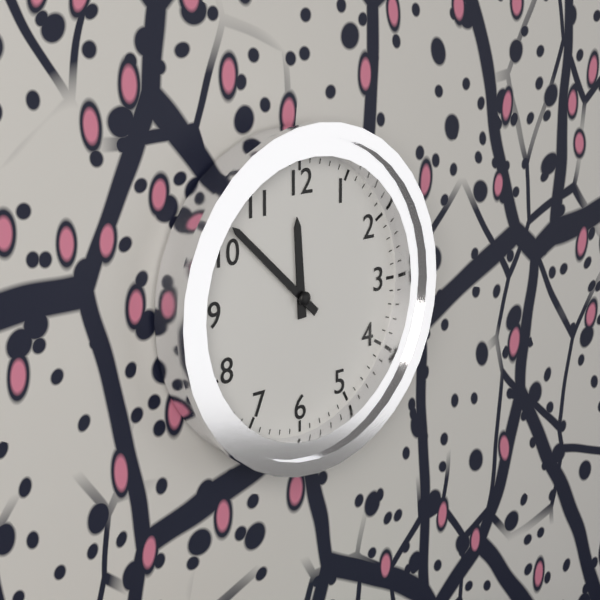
11:52
